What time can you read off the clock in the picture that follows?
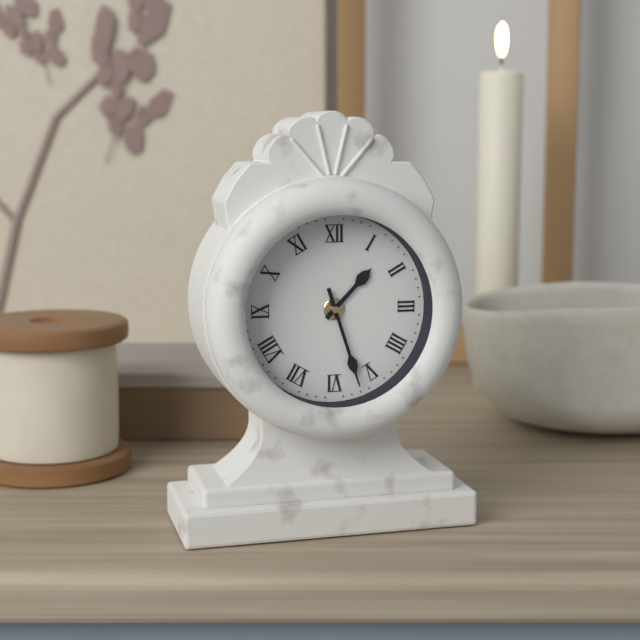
1:27
